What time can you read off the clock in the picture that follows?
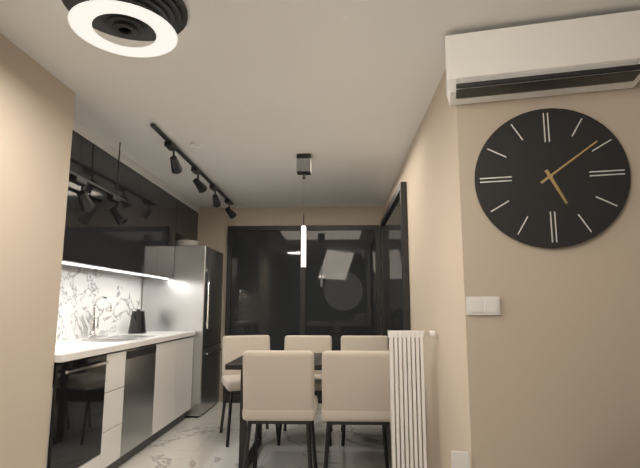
5:09
